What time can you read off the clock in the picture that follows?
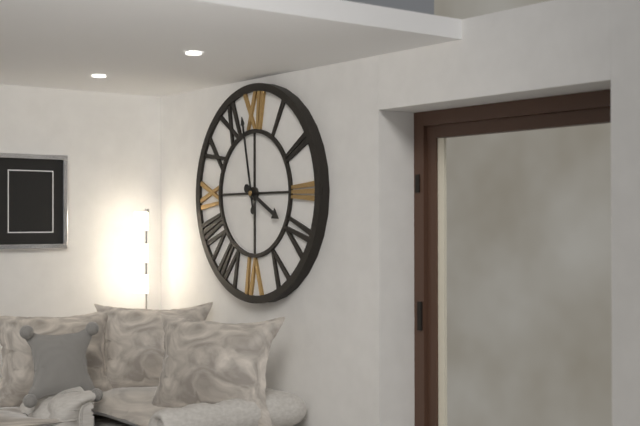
3:58
